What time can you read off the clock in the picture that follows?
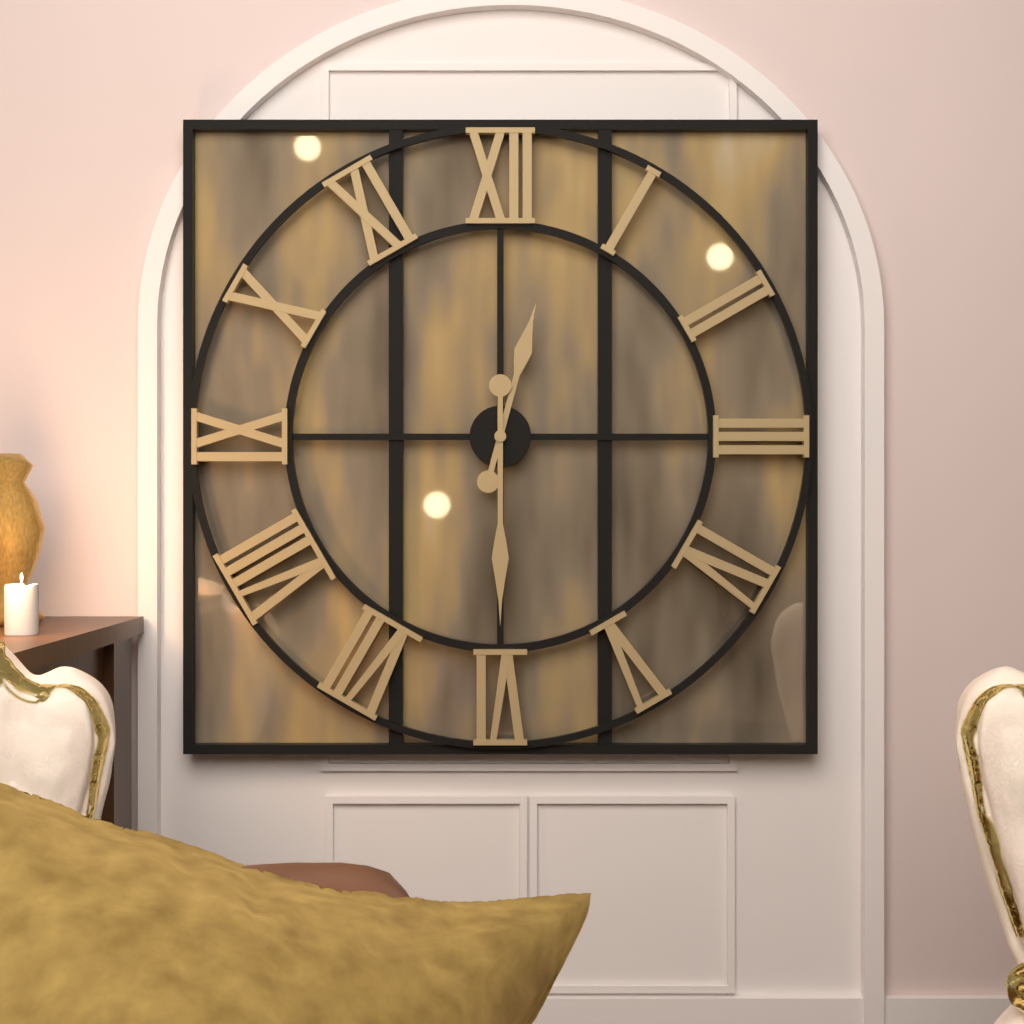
12:30
